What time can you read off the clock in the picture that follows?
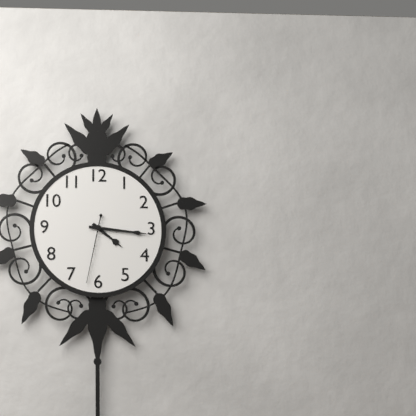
4:16:32
